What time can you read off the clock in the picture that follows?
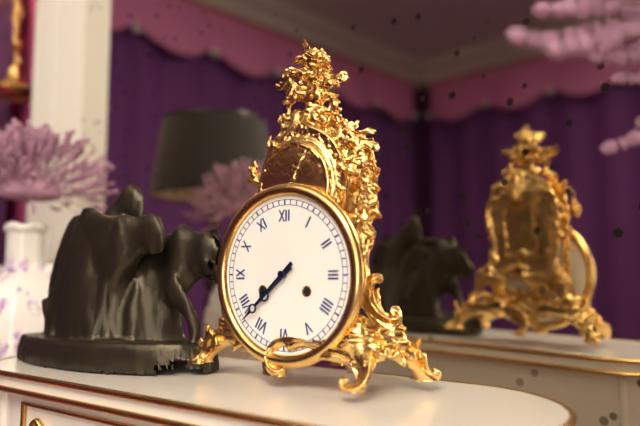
7:38
